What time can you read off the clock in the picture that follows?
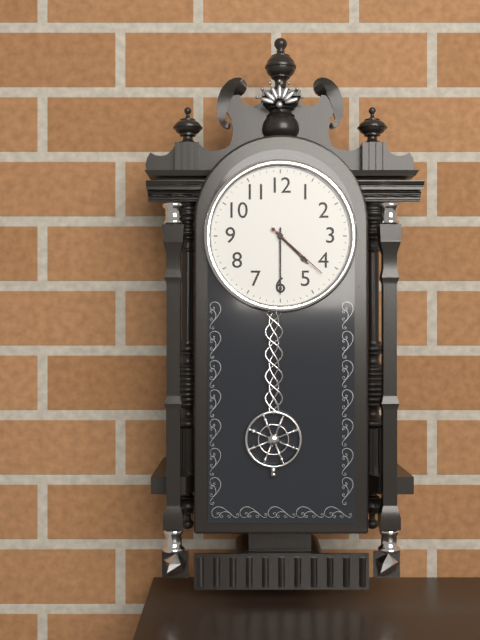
4:30:22
